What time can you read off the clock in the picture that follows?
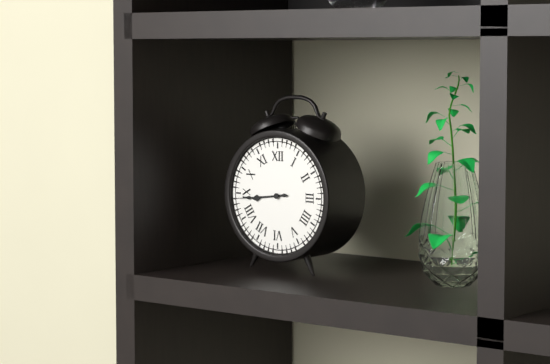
8:44
